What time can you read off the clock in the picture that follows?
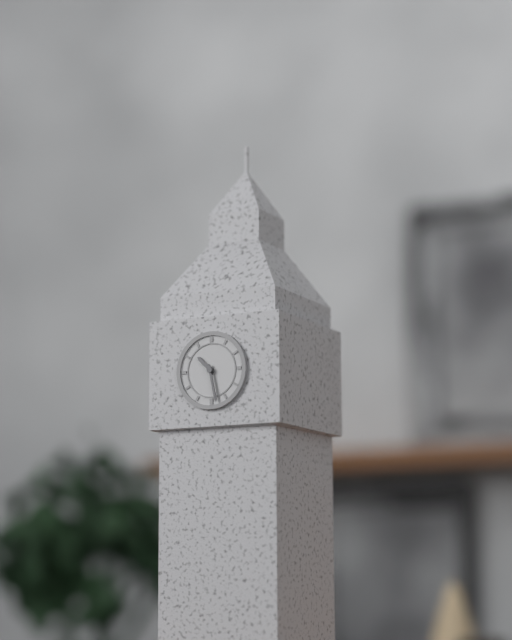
10:28
